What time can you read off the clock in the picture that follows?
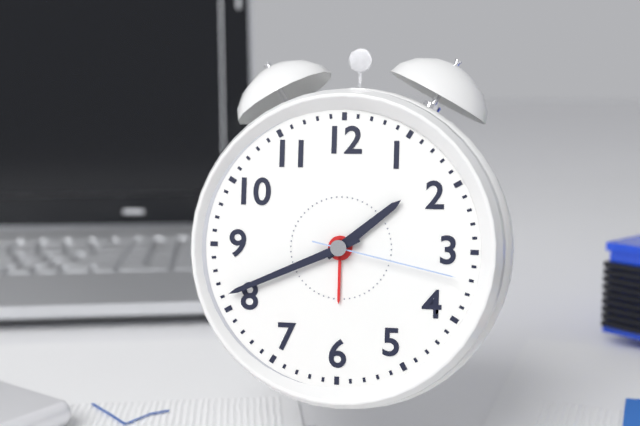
1:41:17
